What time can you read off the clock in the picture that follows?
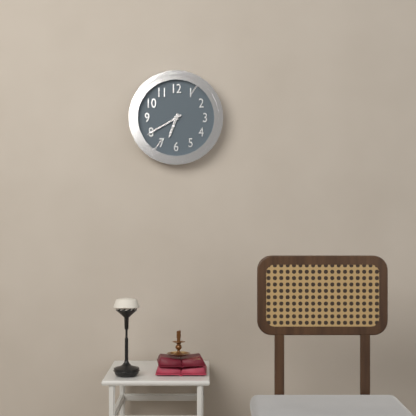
6:40
